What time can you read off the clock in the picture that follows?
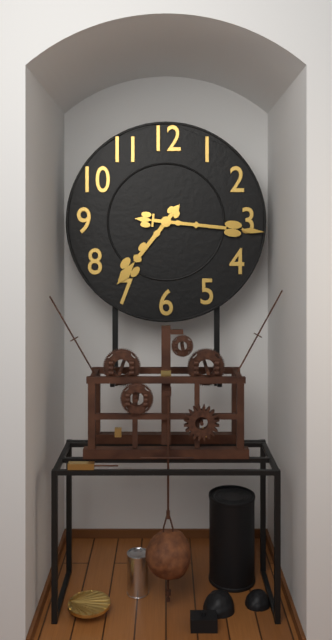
7:16
